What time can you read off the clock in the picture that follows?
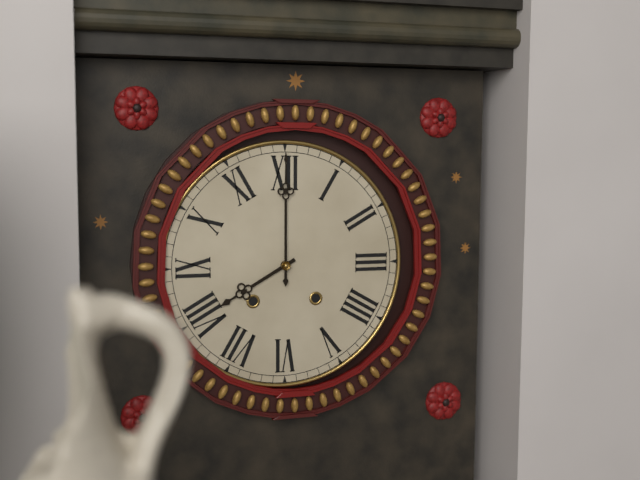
8:00
